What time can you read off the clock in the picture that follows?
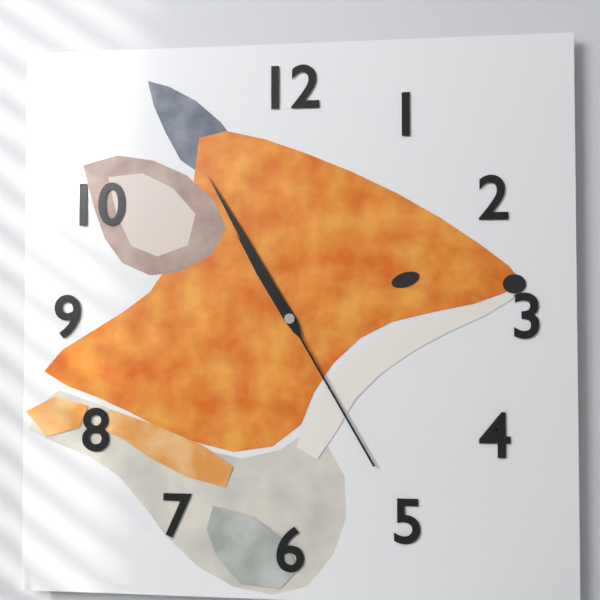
10:55:25
